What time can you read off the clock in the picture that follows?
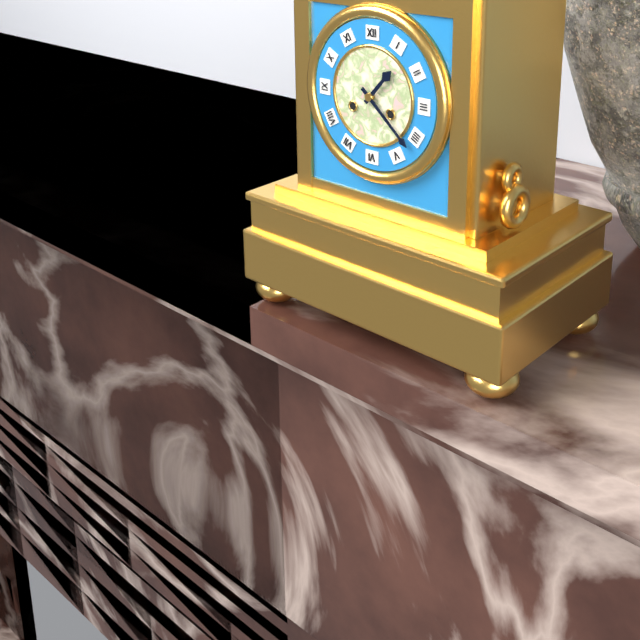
1:22
